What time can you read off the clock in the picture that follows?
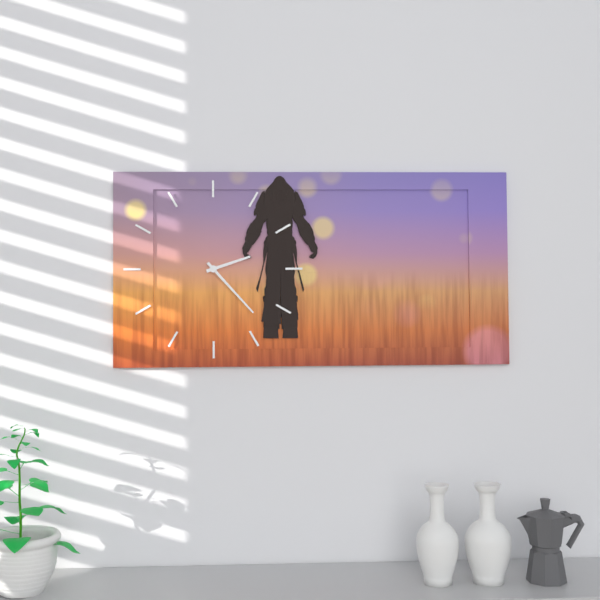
2:23
